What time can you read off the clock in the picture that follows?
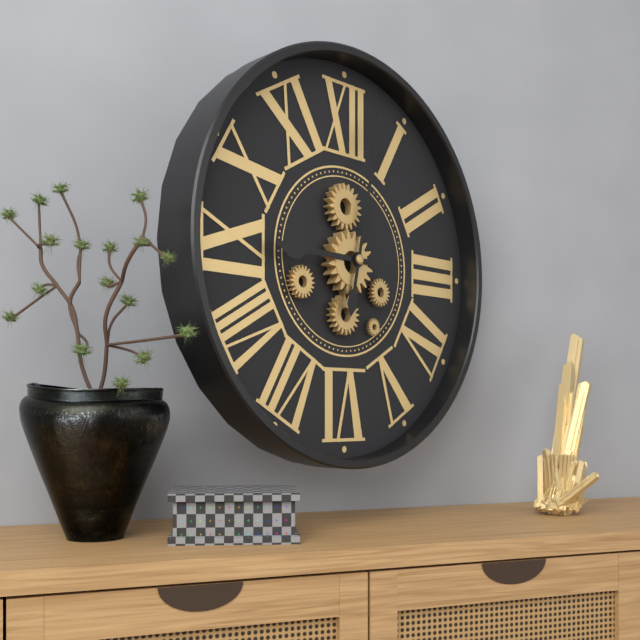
9:02
